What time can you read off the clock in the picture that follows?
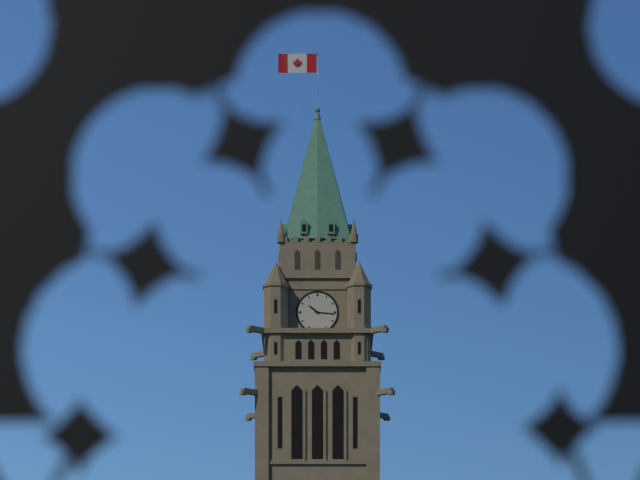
10:16
